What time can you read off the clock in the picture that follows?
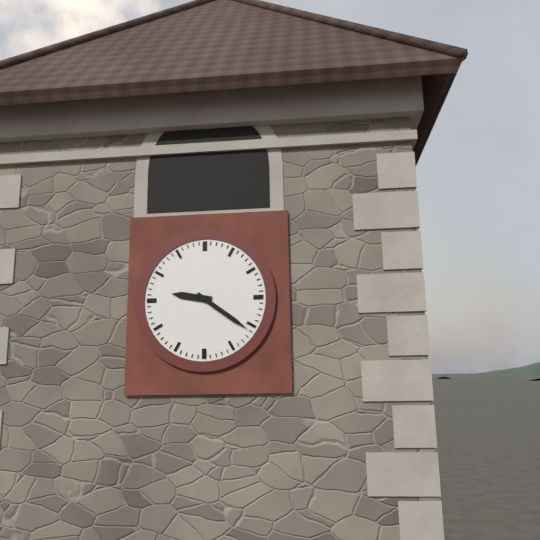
9:21
